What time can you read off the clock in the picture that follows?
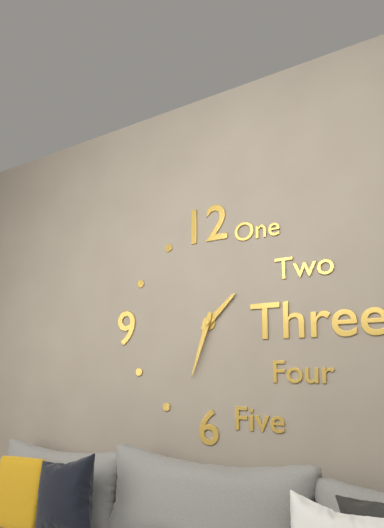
1:33
